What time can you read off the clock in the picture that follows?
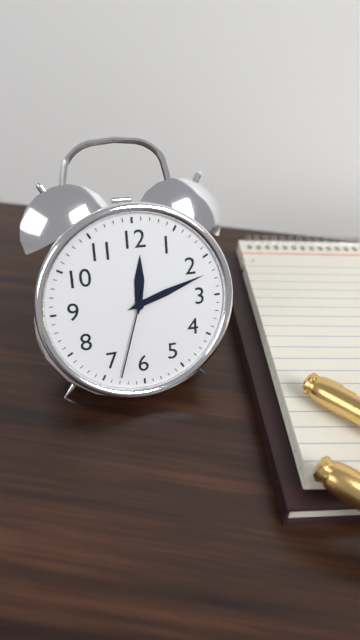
12:12:33
